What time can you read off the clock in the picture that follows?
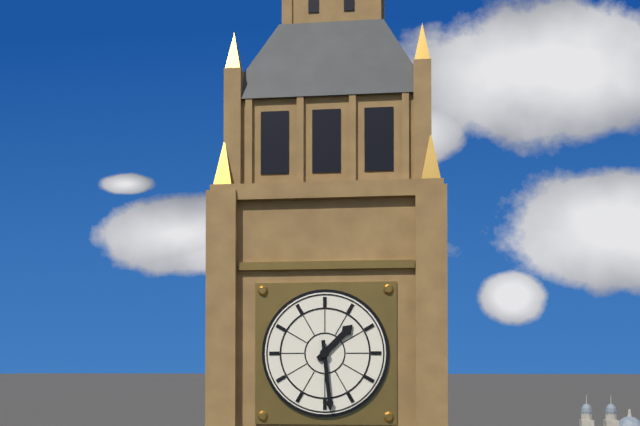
1:29
